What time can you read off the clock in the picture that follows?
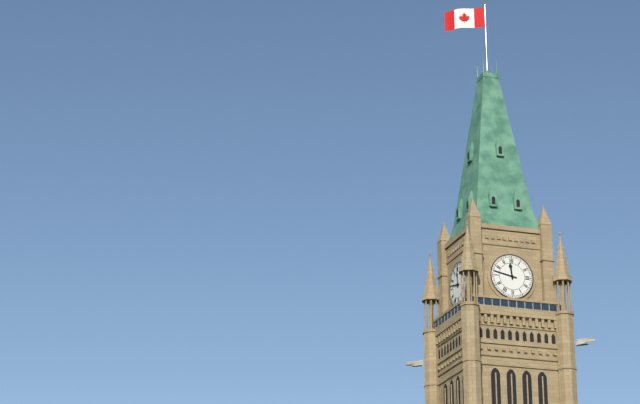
11:47
